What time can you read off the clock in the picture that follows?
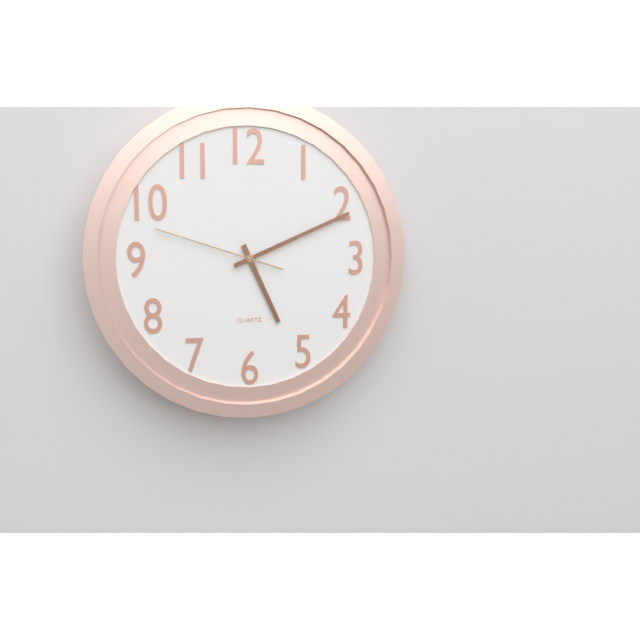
5:11:48
